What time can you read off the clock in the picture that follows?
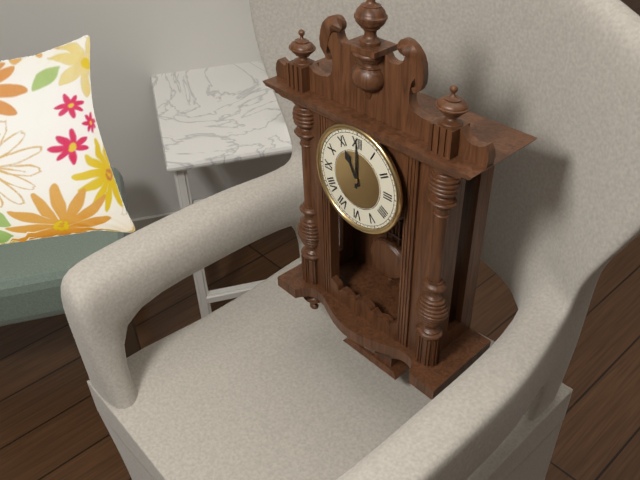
11:00
